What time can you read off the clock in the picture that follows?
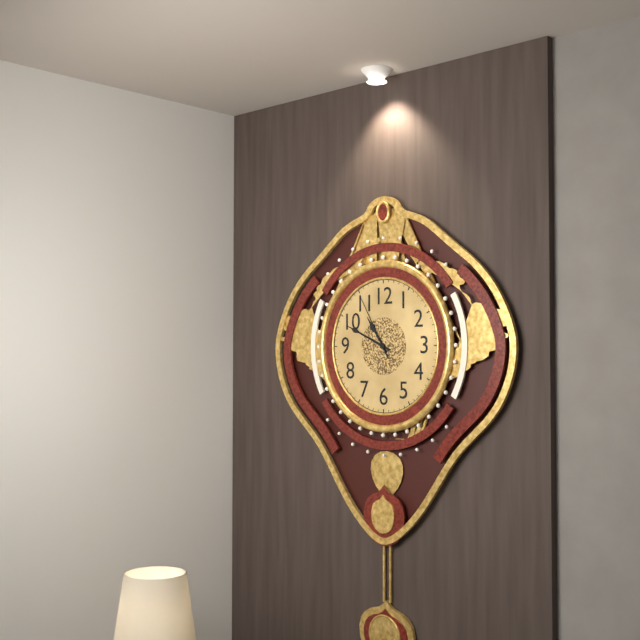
10:49:55
